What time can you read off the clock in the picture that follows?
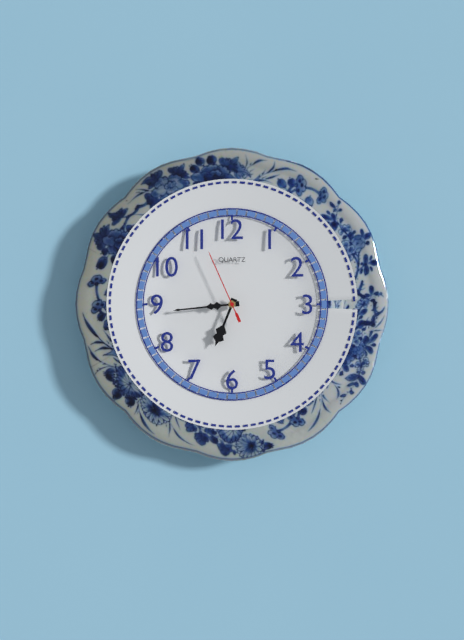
6:44:56
